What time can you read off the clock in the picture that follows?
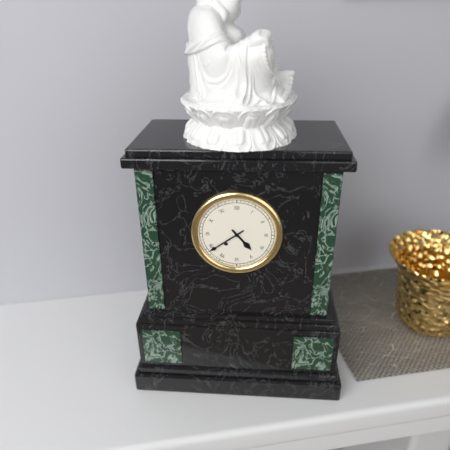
4:39
